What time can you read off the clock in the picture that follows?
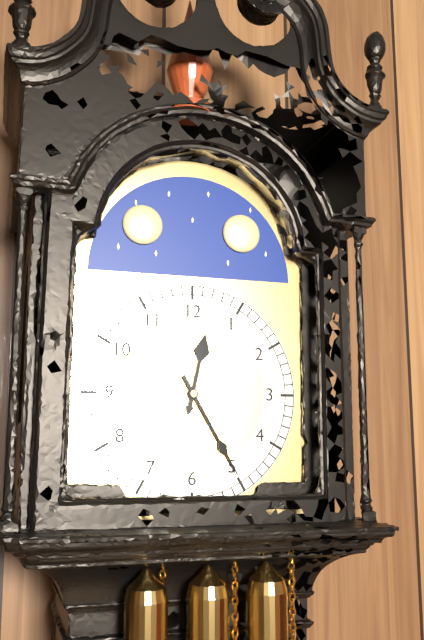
12:25
